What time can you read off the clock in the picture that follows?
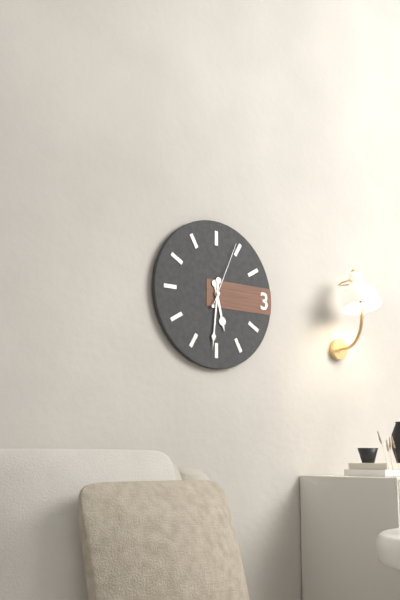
5:31:04
